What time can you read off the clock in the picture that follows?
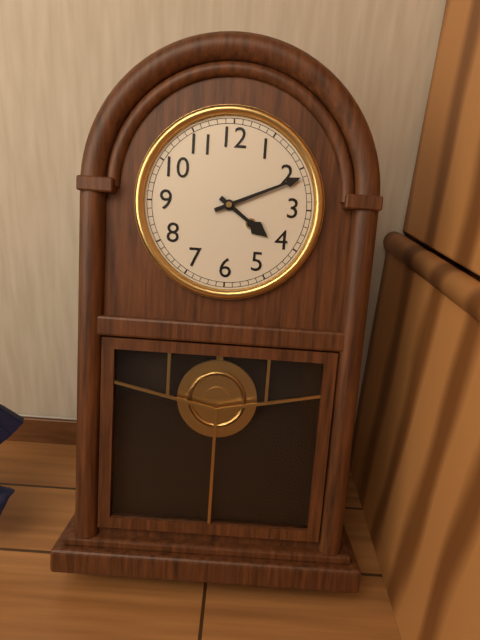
4:11
